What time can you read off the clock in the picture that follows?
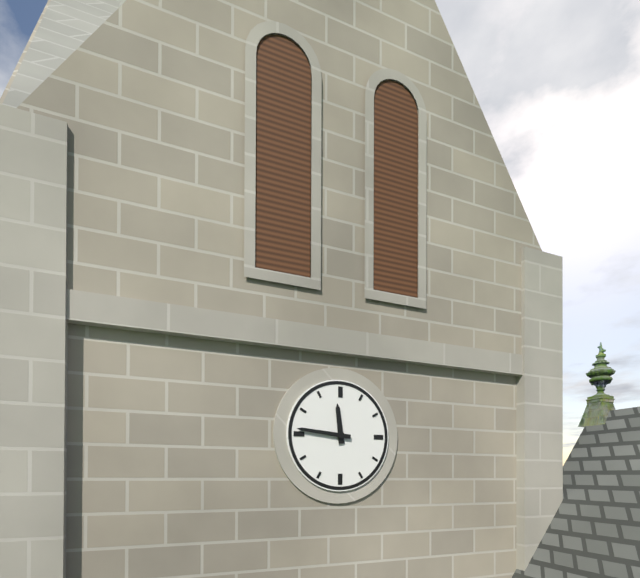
11:46
